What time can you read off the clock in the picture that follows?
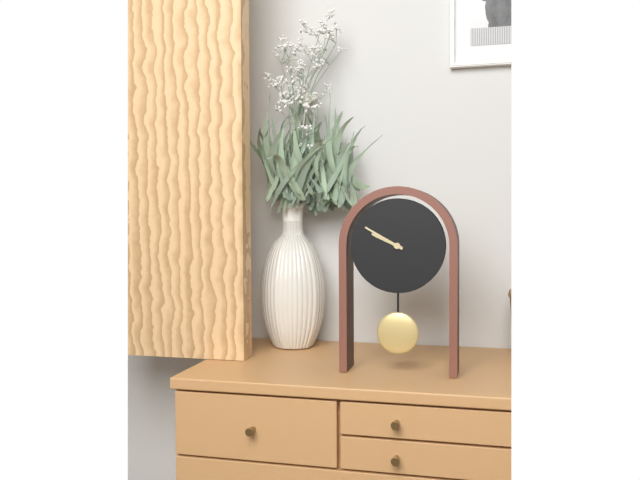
9:50
